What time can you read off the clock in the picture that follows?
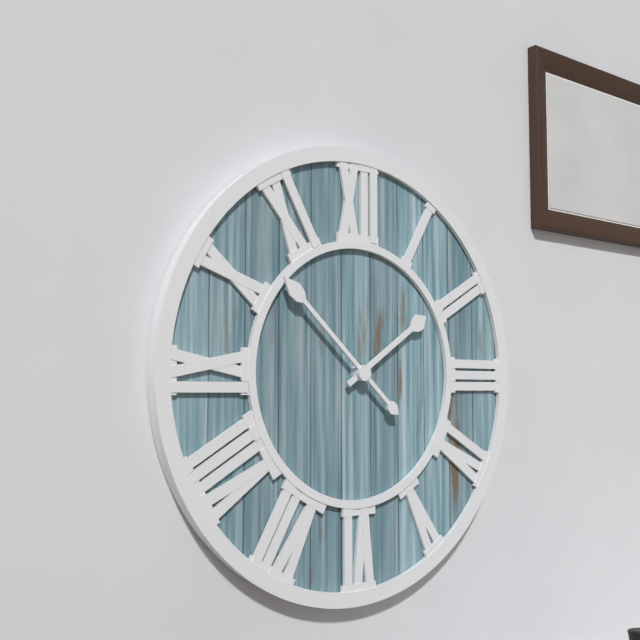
1:52
